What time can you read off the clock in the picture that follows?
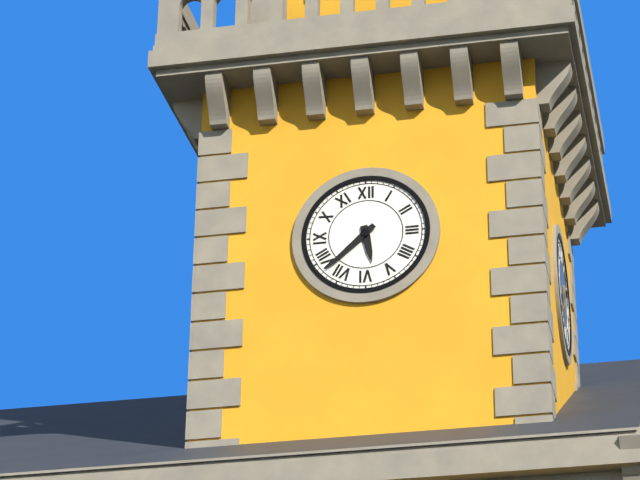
5:38
